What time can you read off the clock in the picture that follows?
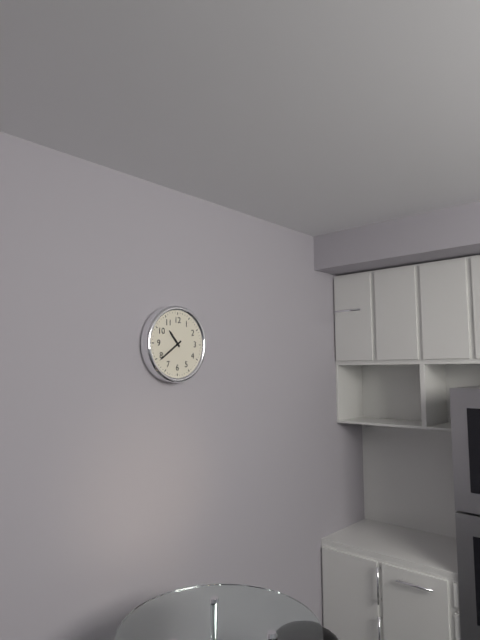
10:39
